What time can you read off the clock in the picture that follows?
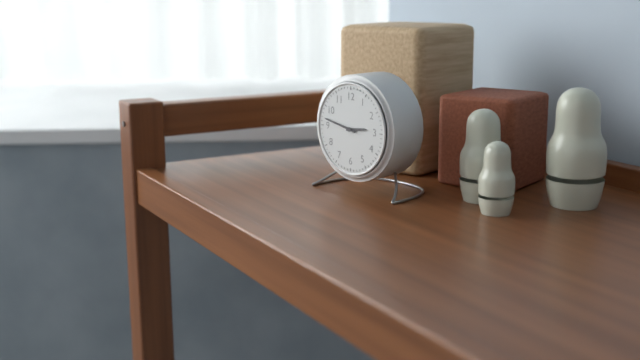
2:47
